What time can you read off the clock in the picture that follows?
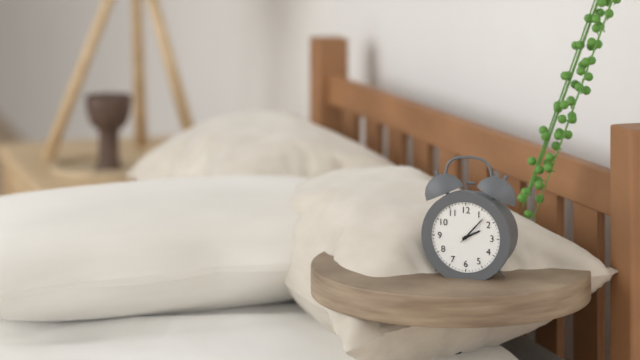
2:07
